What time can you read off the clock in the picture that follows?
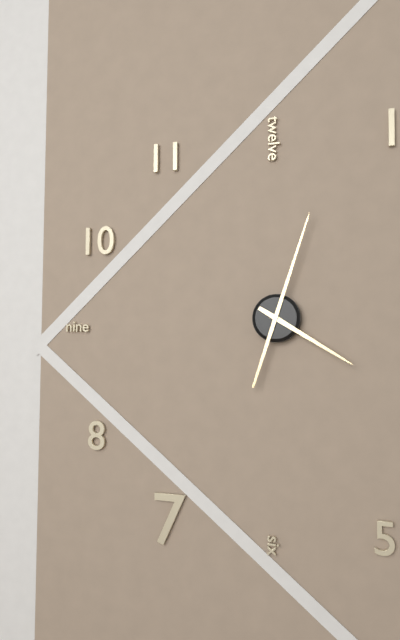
4:03
